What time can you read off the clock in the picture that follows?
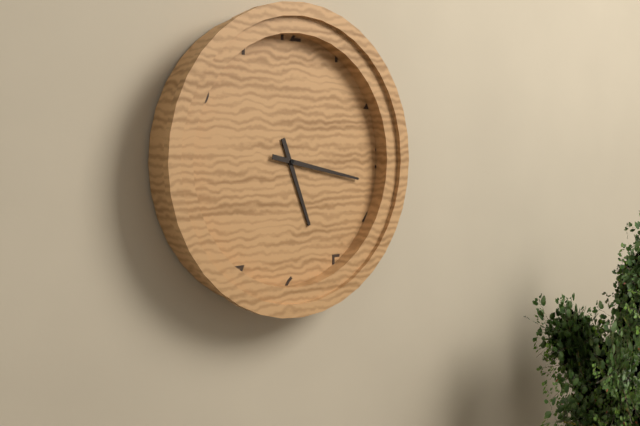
5:17
